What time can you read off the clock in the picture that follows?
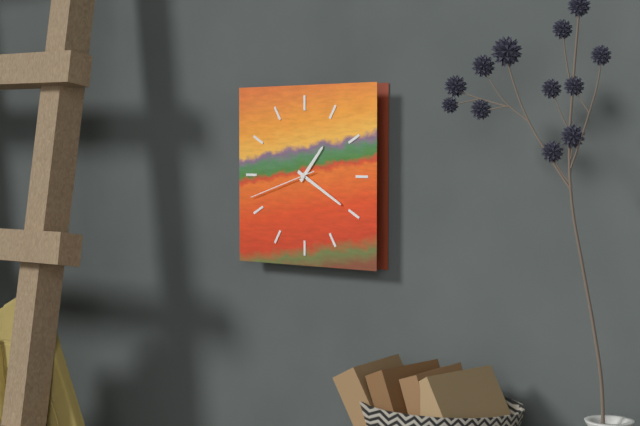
1:20:42
